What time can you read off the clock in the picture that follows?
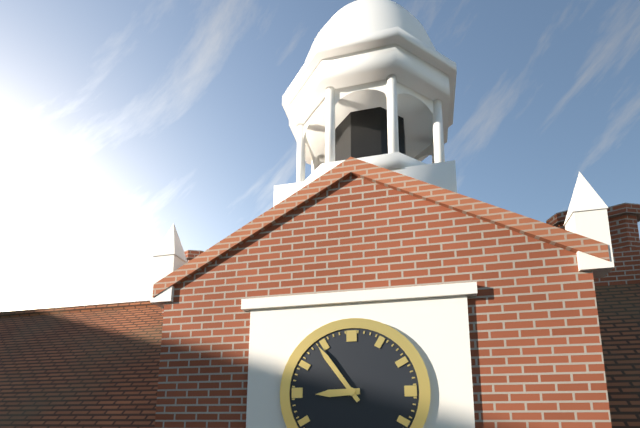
8:54
